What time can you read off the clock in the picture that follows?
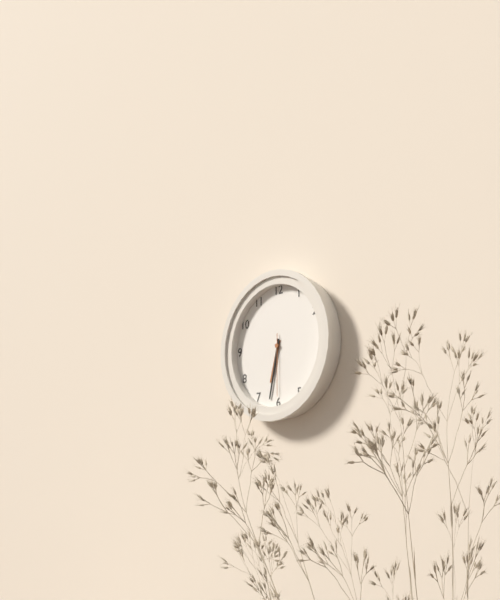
6:32:30
